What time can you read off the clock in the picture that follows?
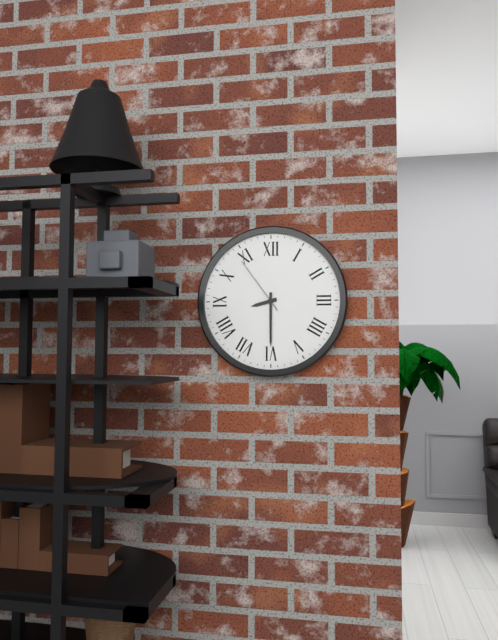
8:30:54
